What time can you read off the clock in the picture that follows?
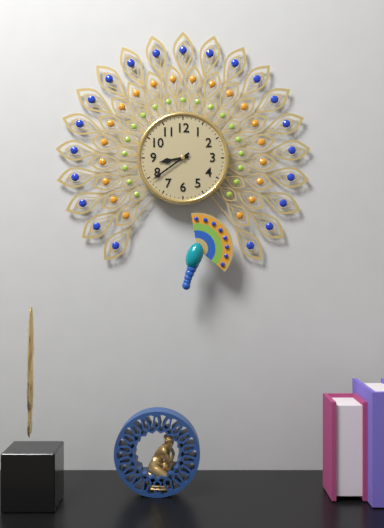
8:39
